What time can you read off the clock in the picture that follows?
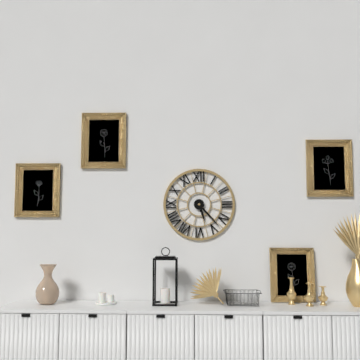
5:23
